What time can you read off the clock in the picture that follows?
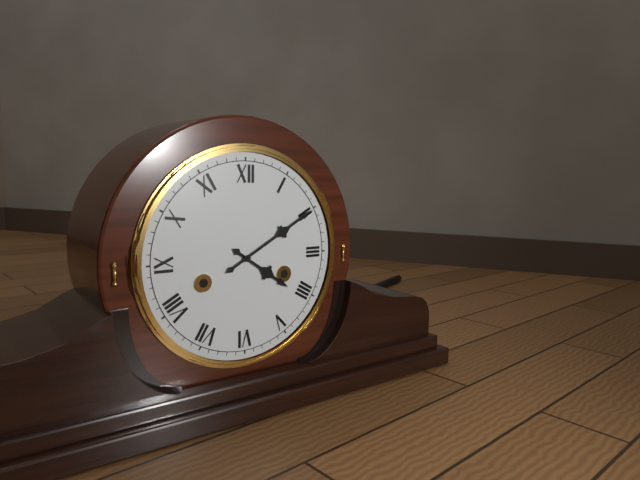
4:10
